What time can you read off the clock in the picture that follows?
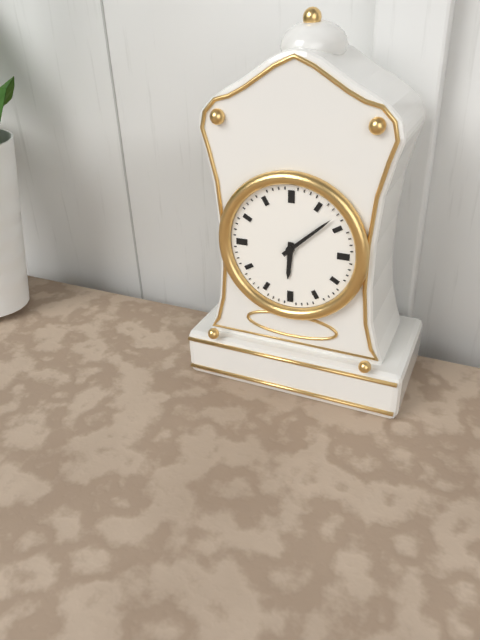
6:08
